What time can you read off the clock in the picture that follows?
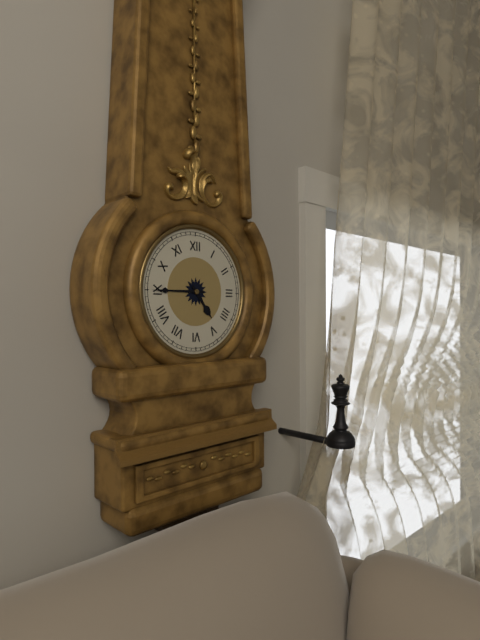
4:45
